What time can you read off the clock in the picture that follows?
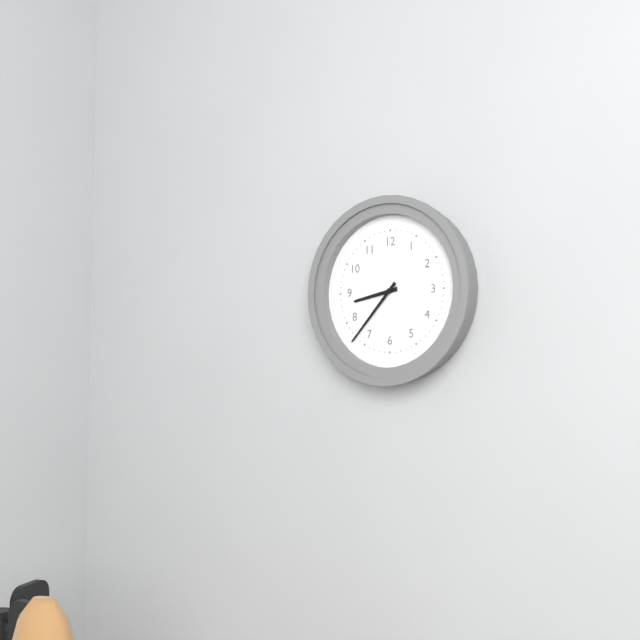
8:37
